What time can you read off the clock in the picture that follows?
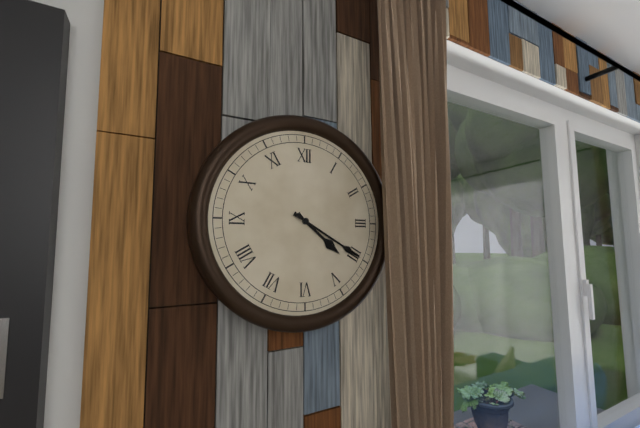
4:20
